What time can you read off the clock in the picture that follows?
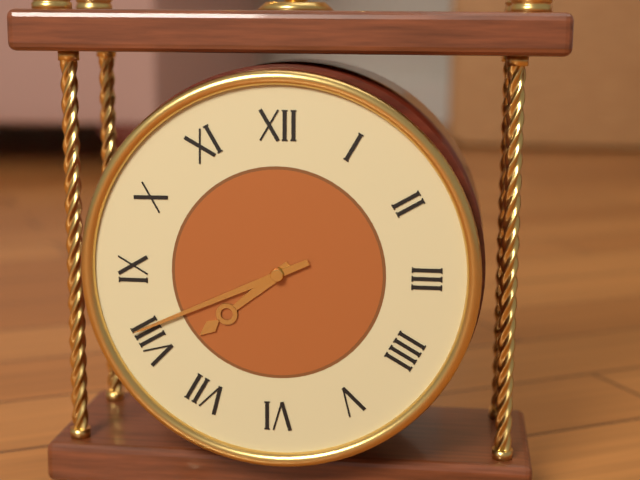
7:41
